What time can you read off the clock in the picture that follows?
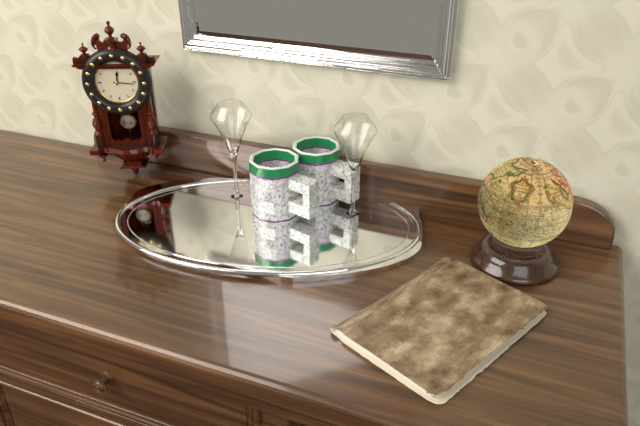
12:16
